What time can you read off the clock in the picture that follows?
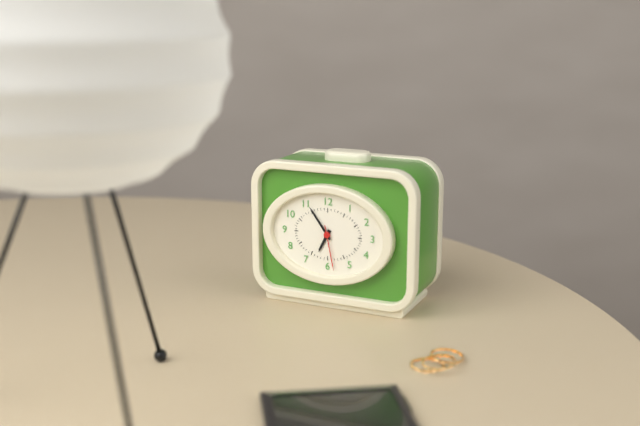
6:54
